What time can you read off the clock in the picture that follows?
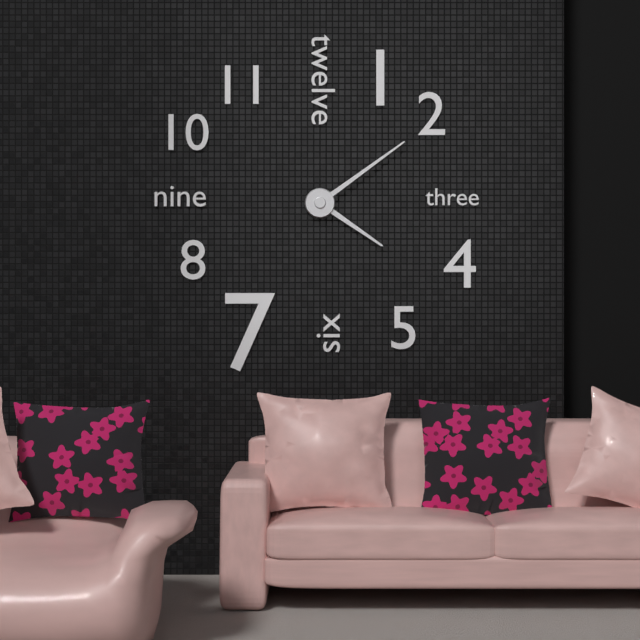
4:09
